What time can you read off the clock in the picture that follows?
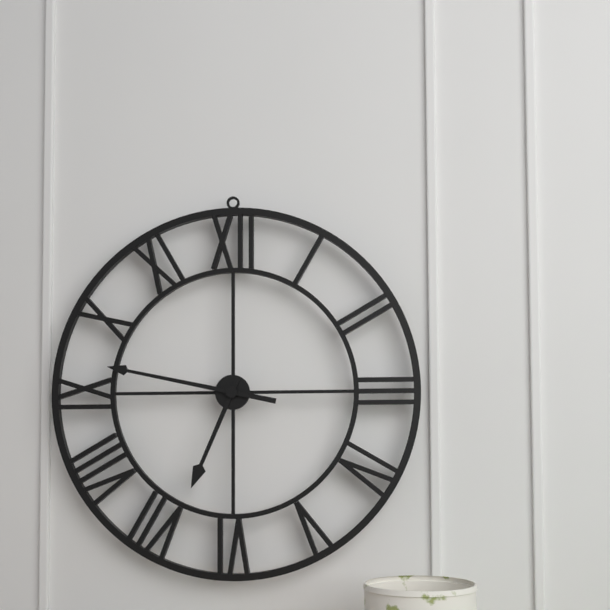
6:47
